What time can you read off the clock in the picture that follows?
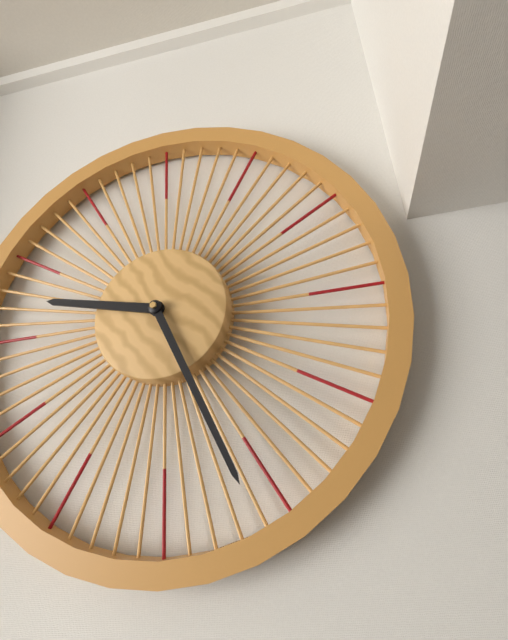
9:26
